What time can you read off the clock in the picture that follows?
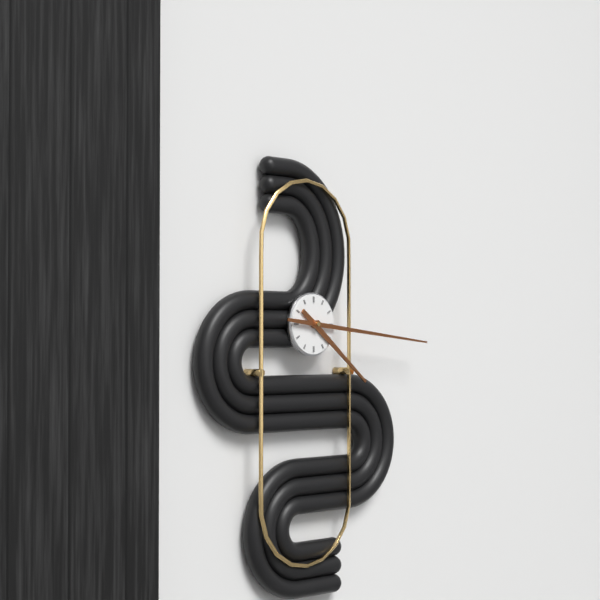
4:16
